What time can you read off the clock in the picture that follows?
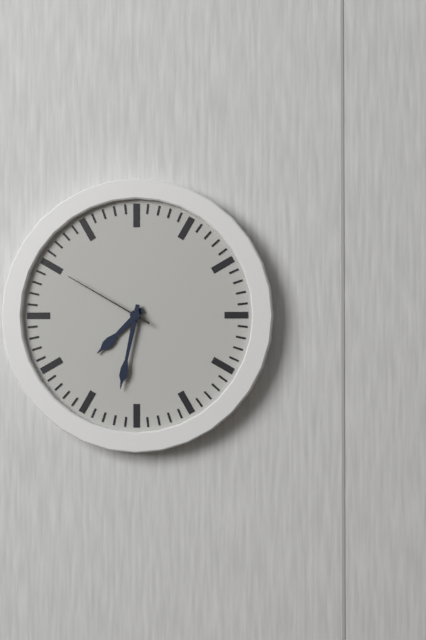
7:32:50
